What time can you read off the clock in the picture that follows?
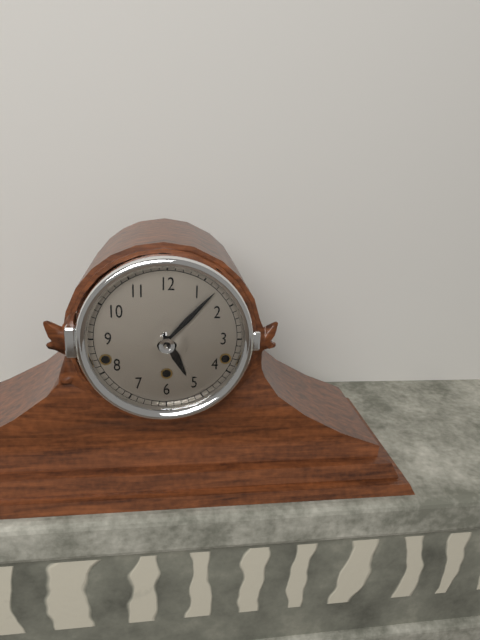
5:07
